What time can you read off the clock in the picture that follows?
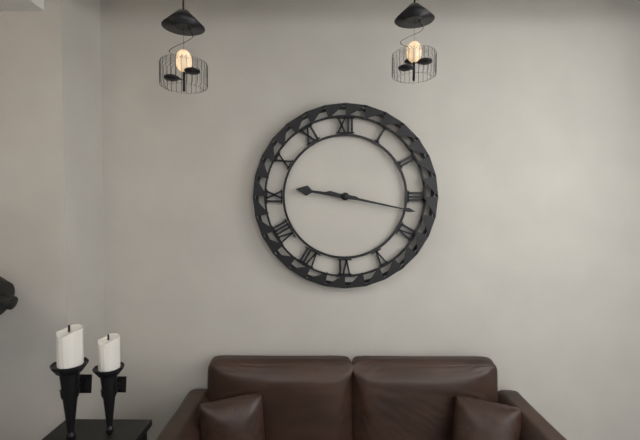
9:17
